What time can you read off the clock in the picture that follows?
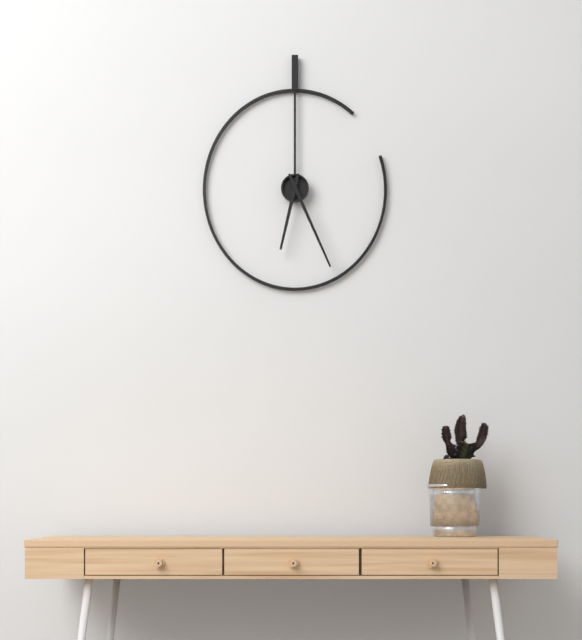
6:26
